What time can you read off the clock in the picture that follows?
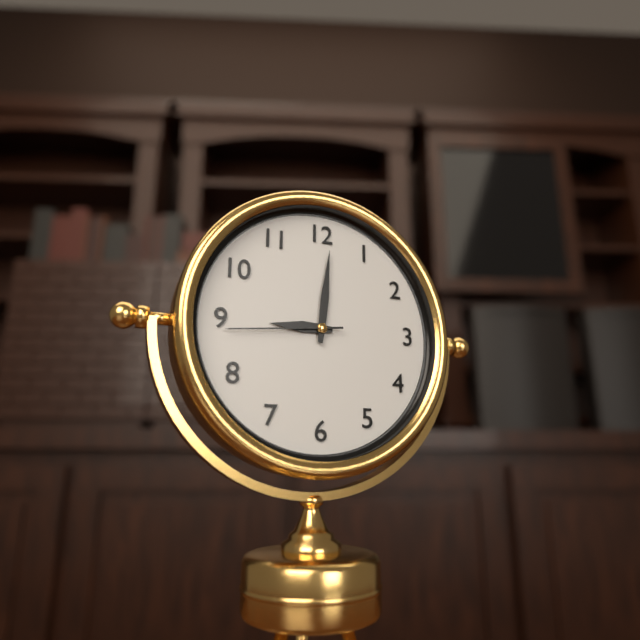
9:01:44
